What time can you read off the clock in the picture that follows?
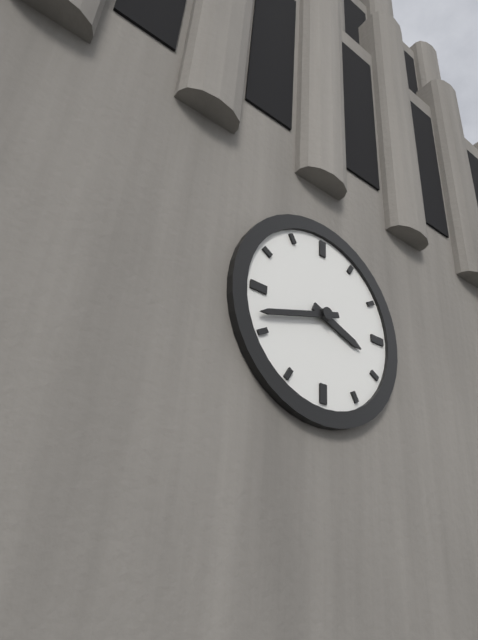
3:42
